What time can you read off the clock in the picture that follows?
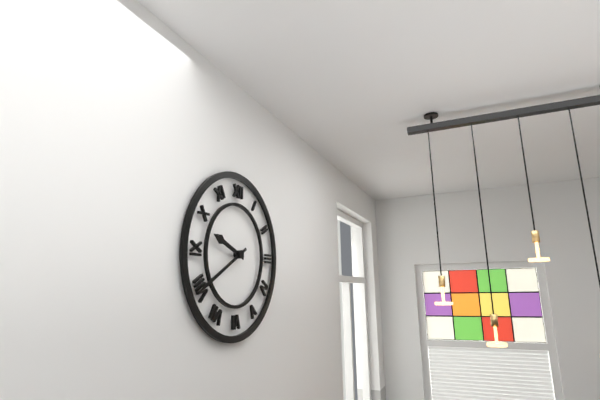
9:40
